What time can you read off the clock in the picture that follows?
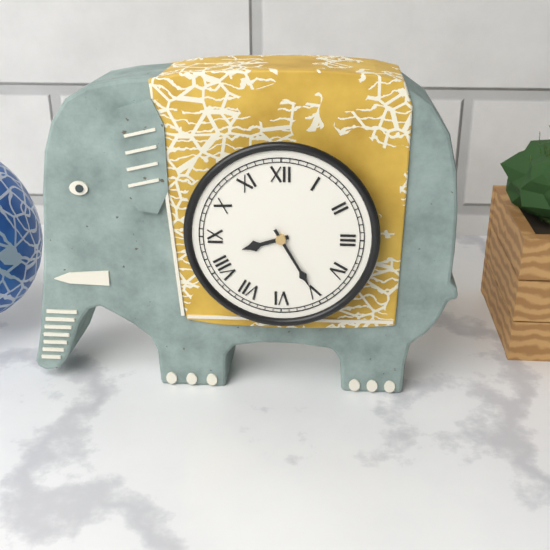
8:25
